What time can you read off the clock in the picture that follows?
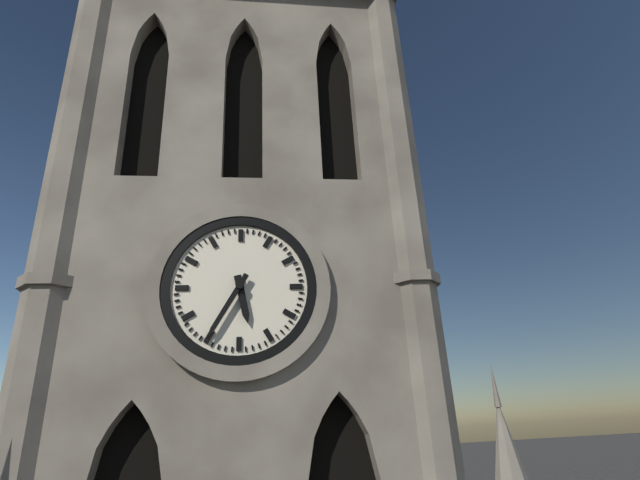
5:35
